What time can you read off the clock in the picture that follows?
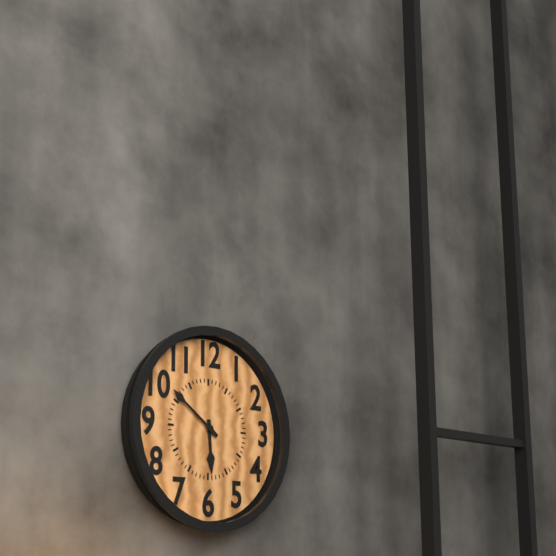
5:51
